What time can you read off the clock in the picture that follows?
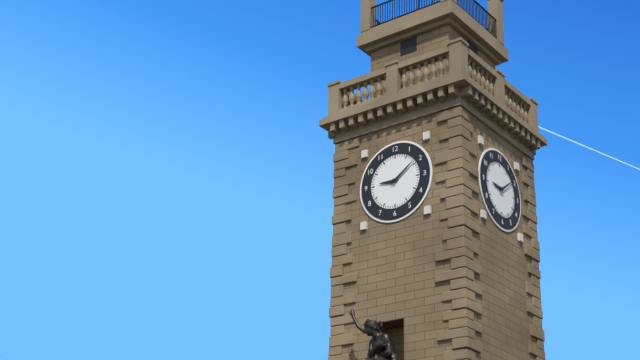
9:09
